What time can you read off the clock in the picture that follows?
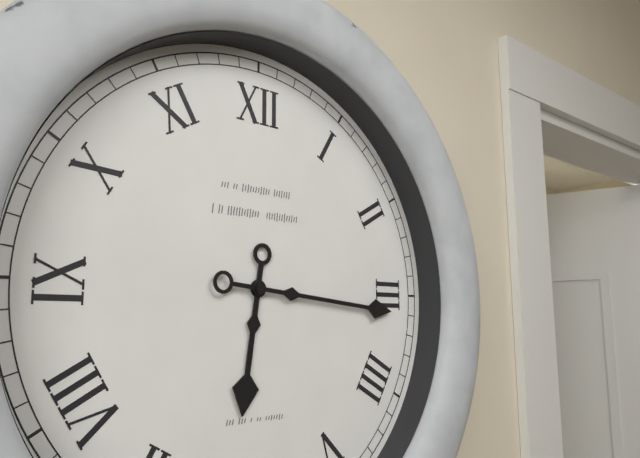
6:16
